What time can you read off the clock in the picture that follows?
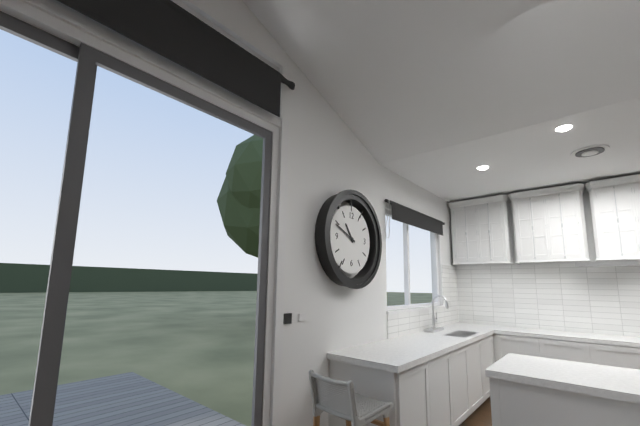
10:49
